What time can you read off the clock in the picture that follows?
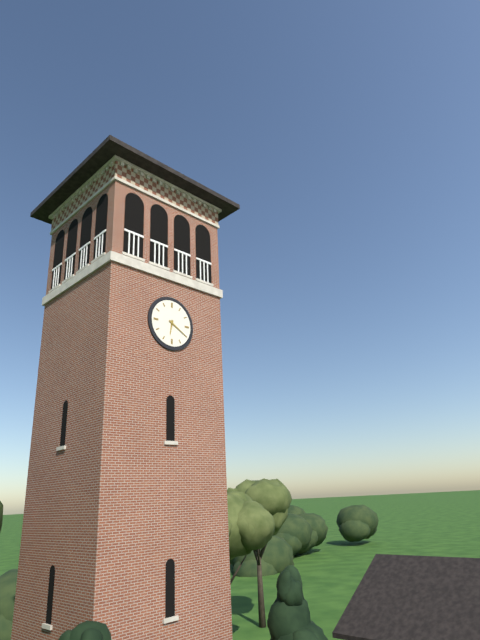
6:20
